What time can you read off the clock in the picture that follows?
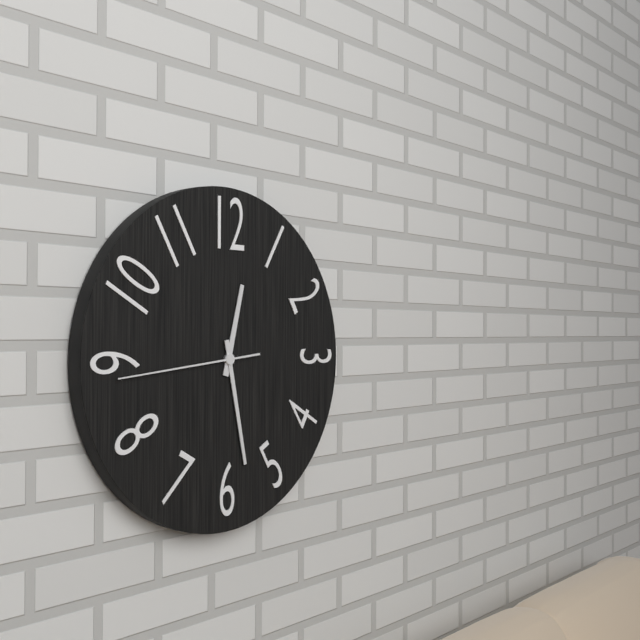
12:28:44
